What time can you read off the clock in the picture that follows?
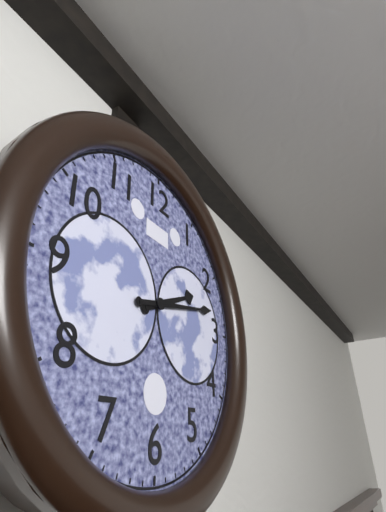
2:13
